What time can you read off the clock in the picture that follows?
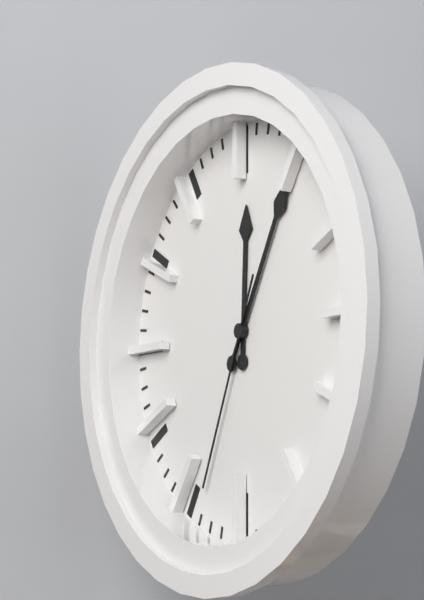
12:05:34
